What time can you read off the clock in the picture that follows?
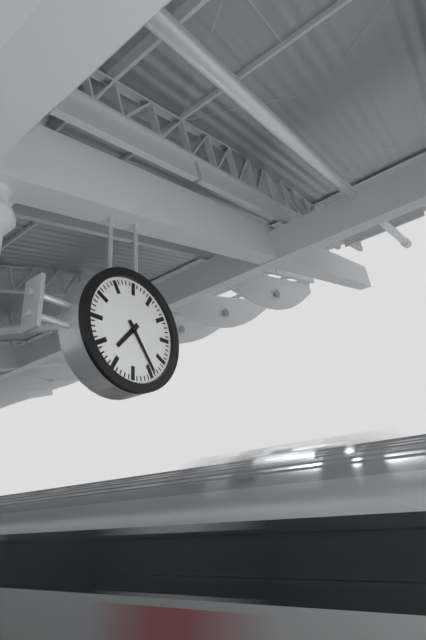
7:24
